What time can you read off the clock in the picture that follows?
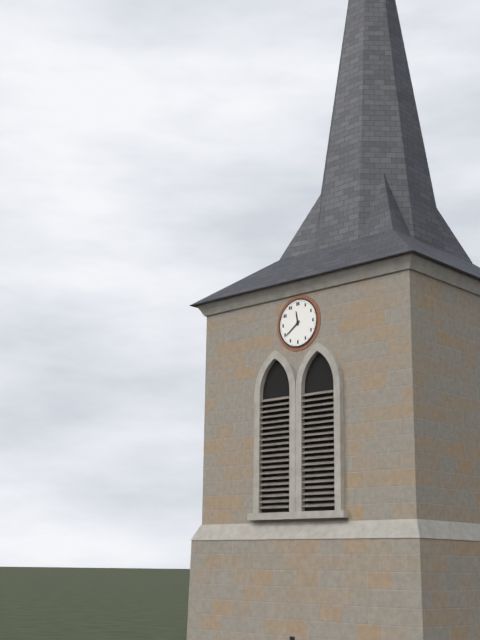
11:39
